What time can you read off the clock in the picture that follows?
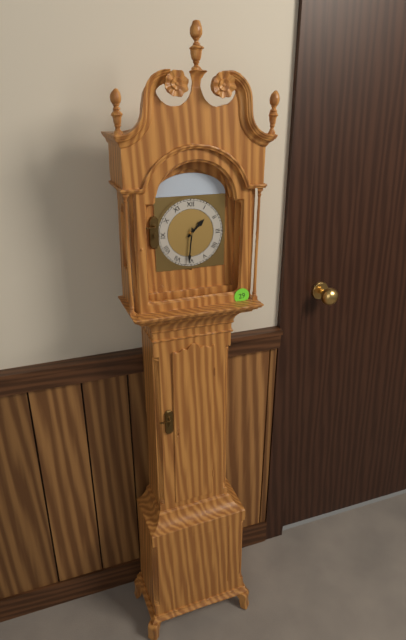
1:31
